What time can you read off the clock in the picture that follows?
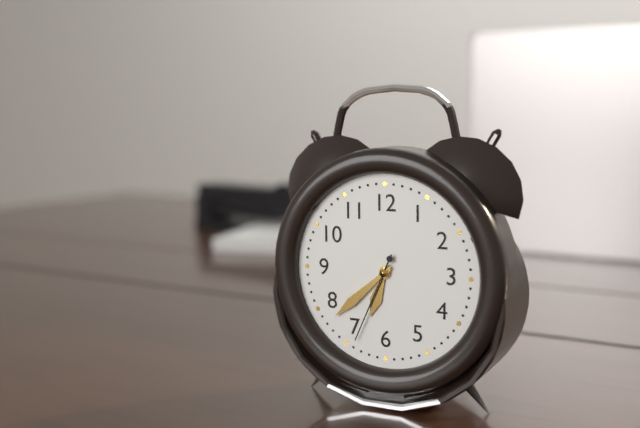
6:38:34
